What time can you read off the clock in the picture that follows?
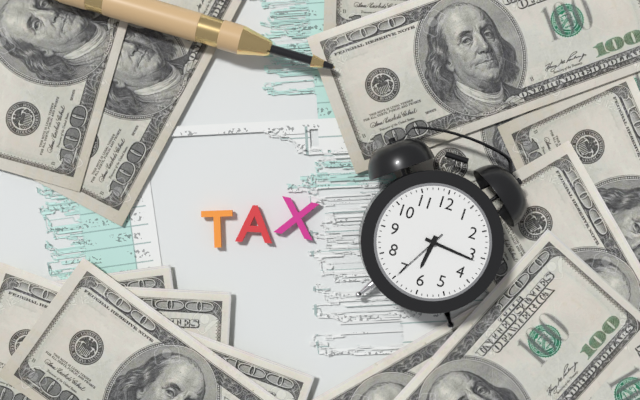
6:16:35
